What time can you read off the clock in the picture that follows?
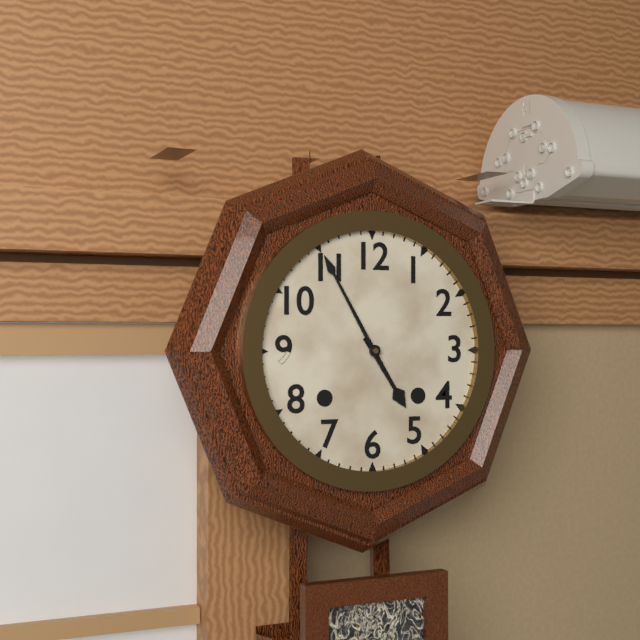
4:55
